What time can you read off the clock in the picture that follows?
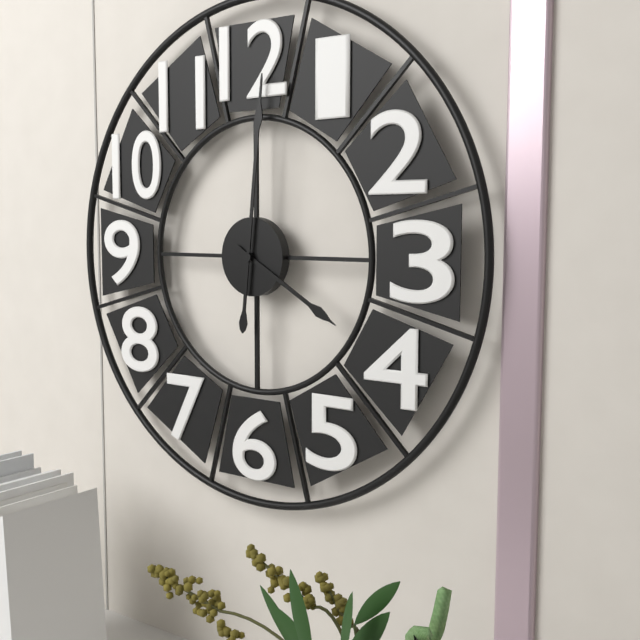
4:01
